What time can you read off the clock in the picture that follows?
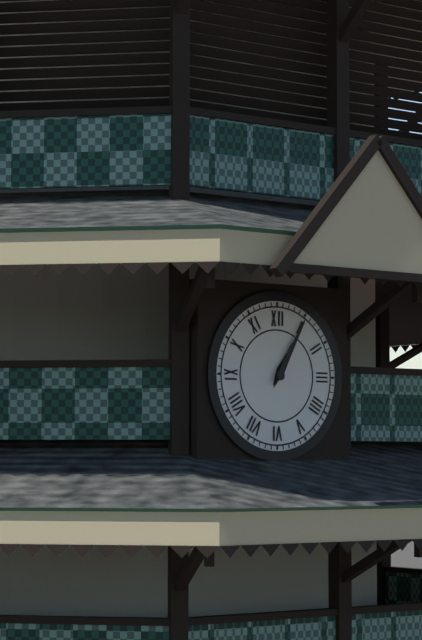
1:05
